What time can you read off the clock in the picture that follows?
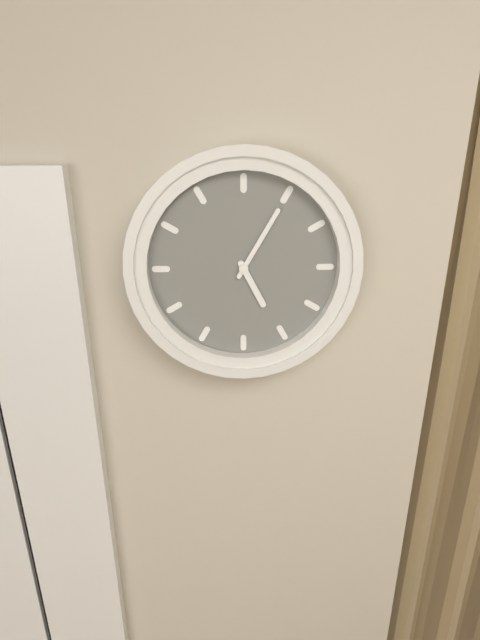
5:05
